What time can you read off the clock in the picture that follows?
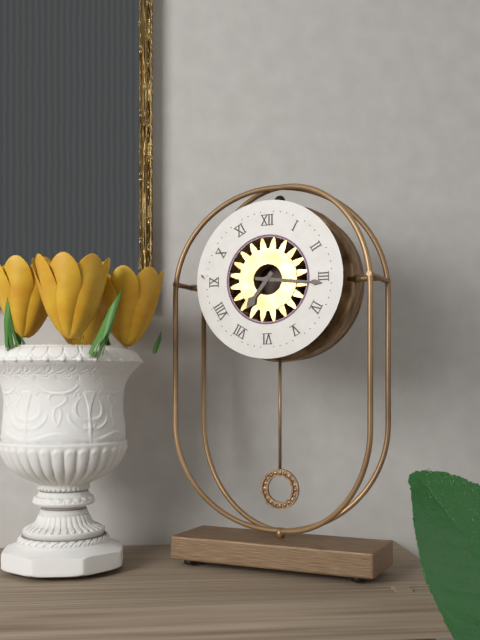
7:16
